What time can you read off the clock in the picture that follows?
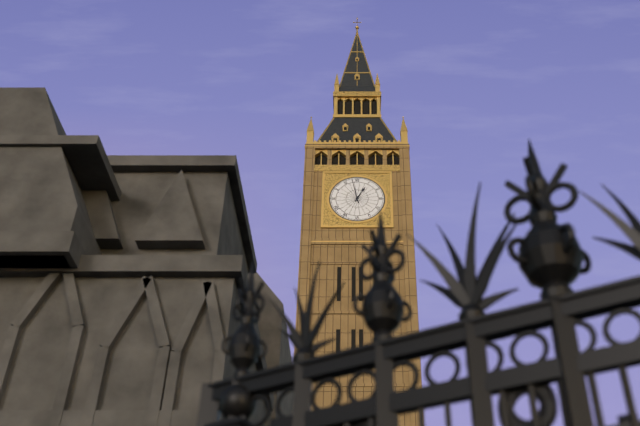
12:58
